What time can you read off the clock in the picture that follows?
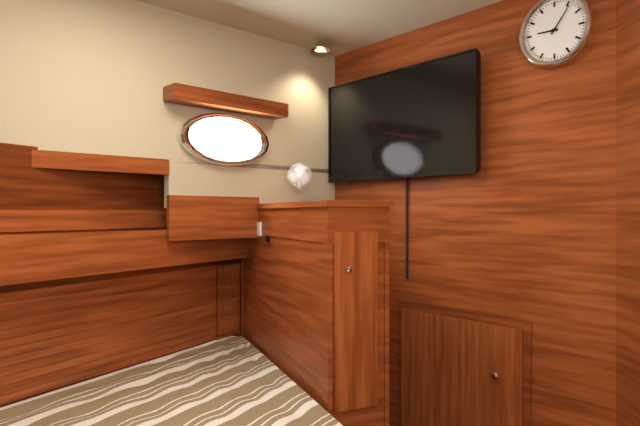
9:06
